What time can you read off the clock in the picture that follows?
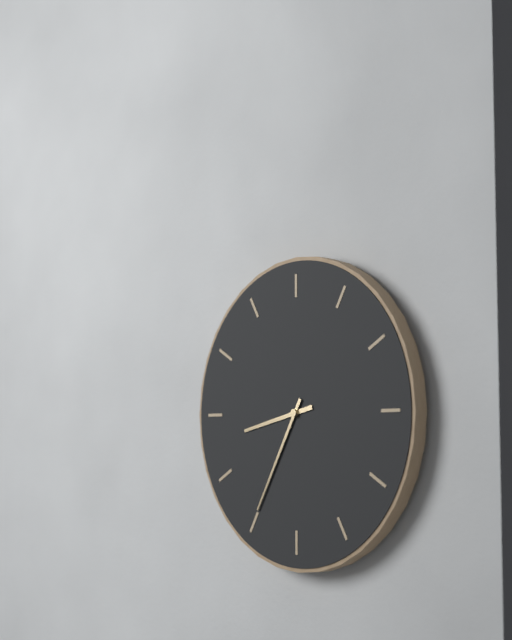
8:35
